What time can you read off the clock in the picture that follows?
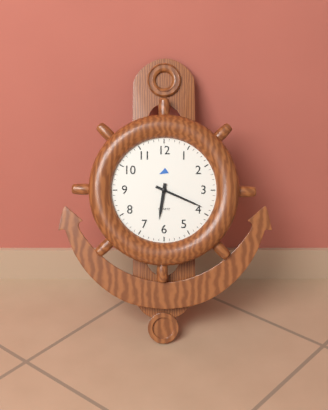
6:19
